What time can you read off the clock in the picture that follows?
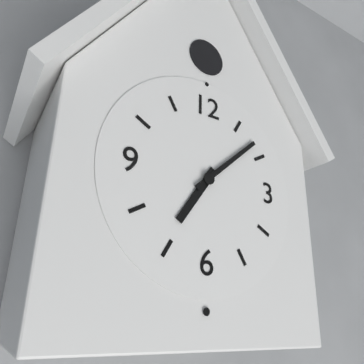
7:08
